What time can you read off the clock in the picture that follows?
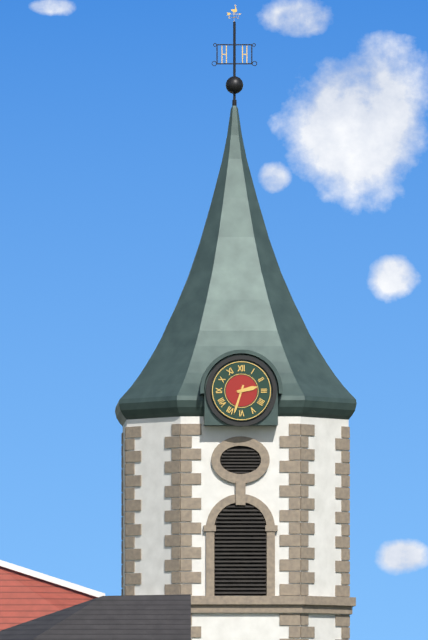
2:33
